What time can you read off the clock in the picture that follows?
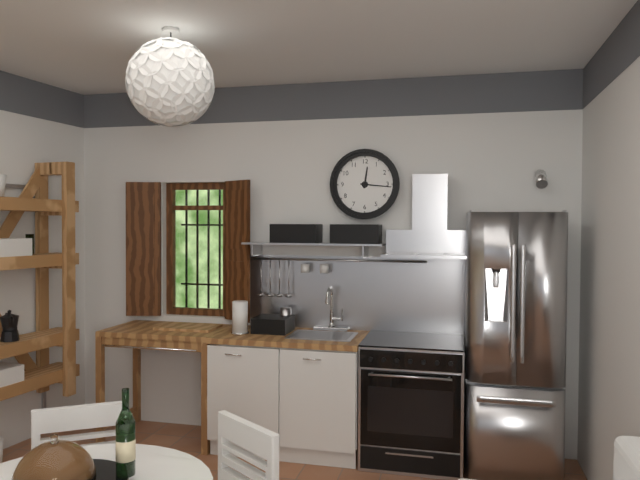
12:16
